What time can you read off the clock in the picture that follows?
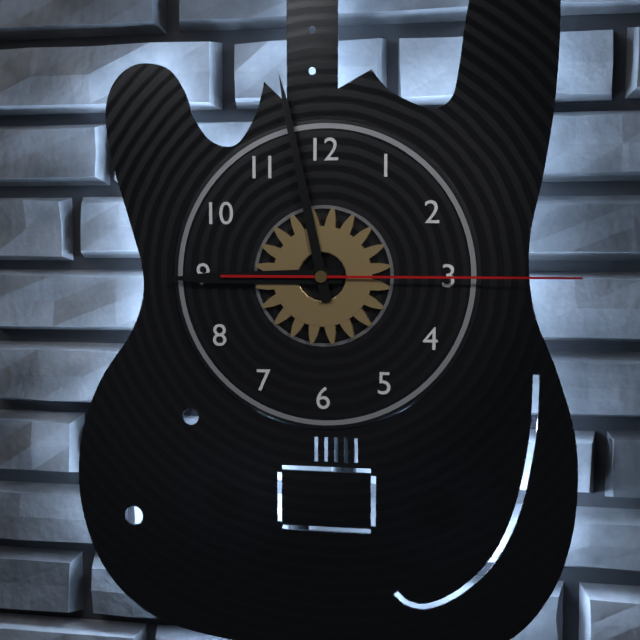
8:58:15
